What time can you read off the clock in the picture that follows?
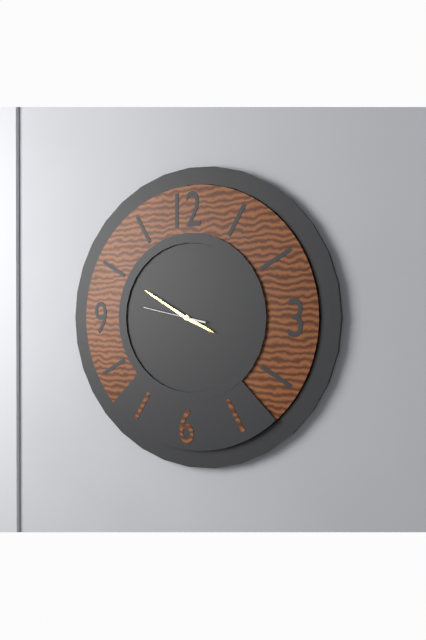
3:50:47
